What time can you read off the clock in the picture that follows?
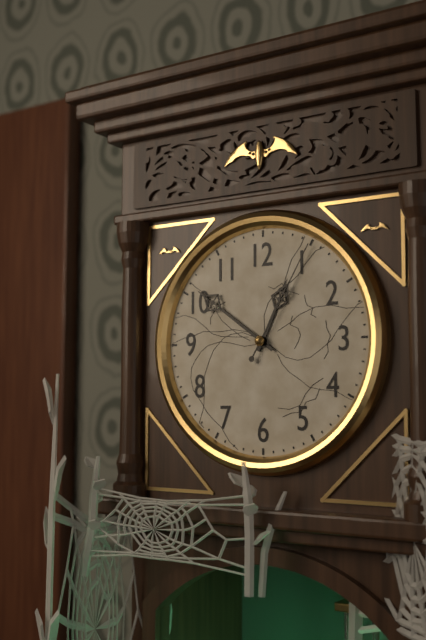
12:51:05
